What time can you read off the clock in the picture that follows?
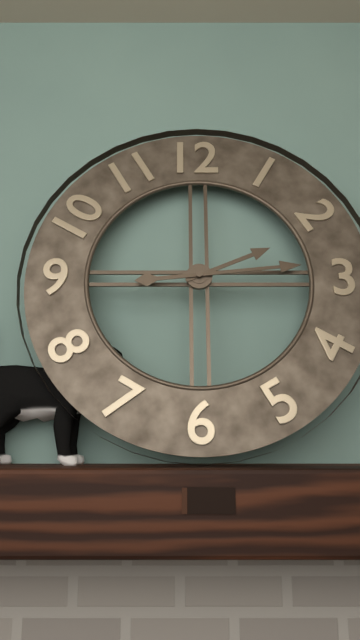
2:14
